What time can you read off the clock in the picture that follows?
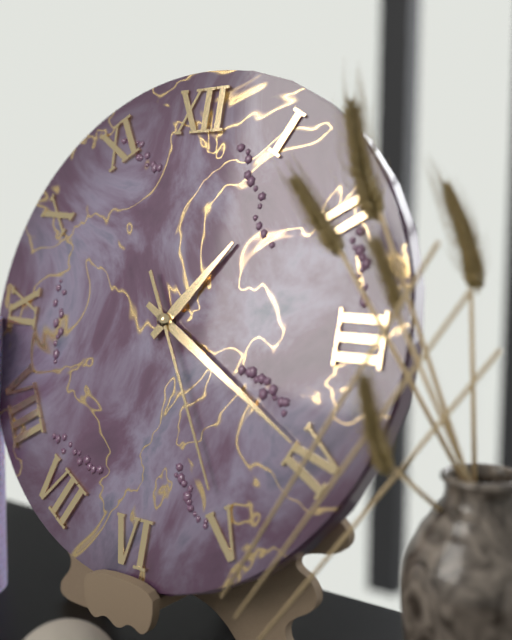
1:20:25
